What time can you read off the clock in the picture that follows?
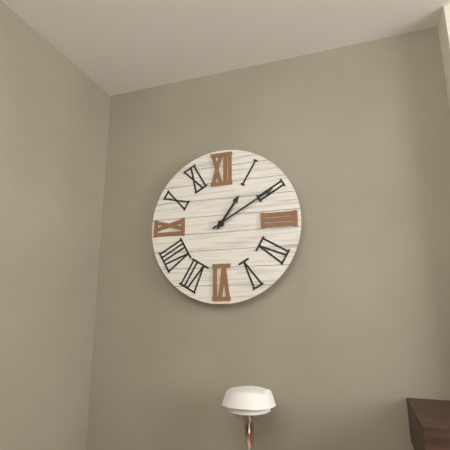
1:10
